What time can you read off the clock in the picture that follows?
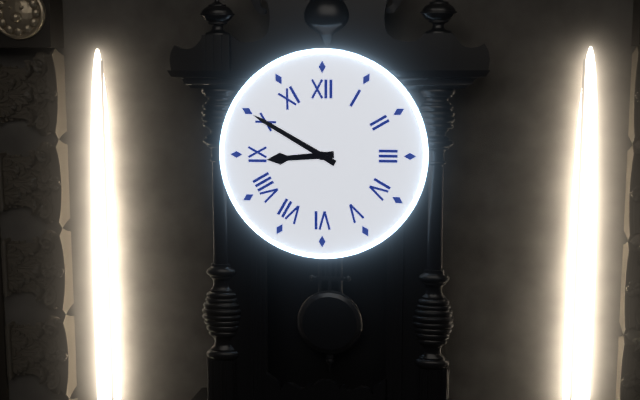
8:50
